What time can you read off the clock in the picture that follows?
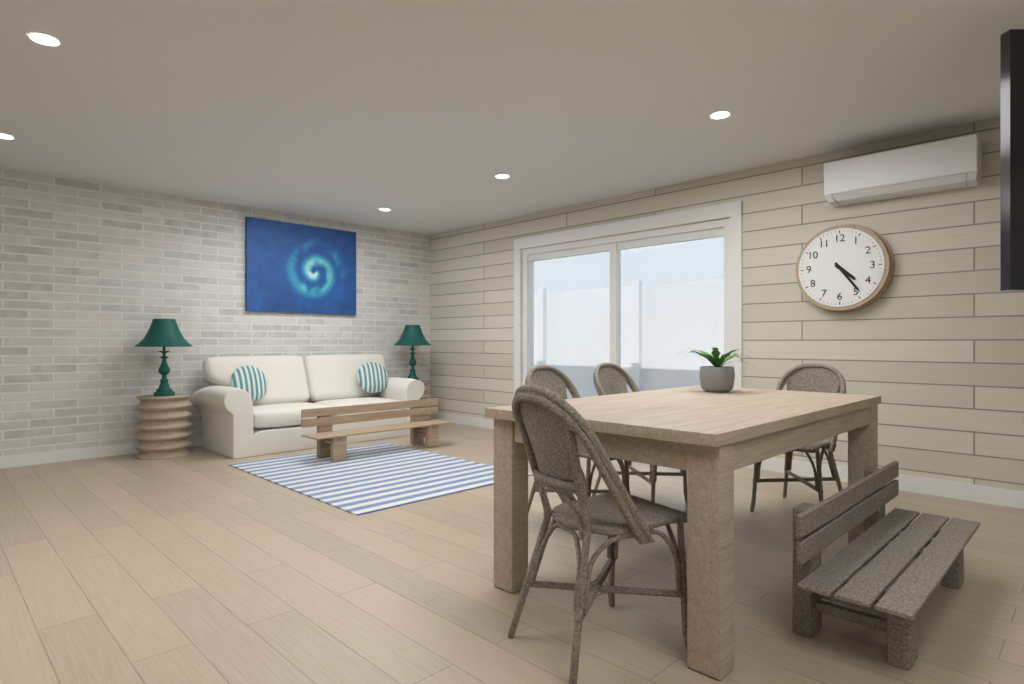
4:24
